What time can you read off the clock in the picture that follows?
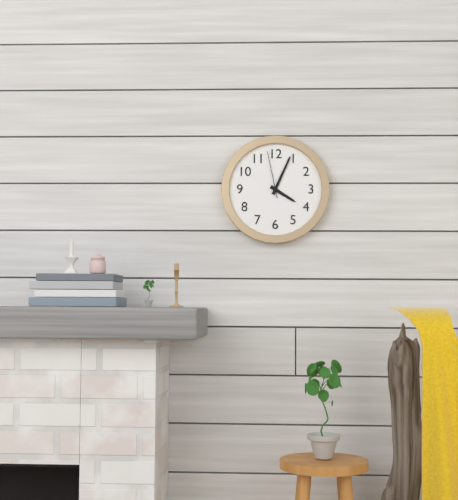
4:04
